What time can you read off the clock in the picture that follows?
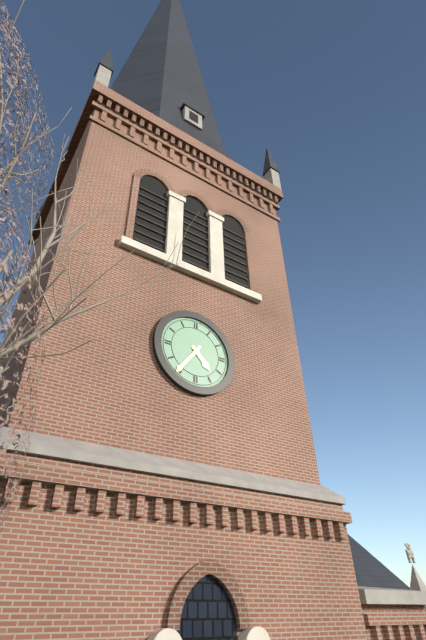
4:36
